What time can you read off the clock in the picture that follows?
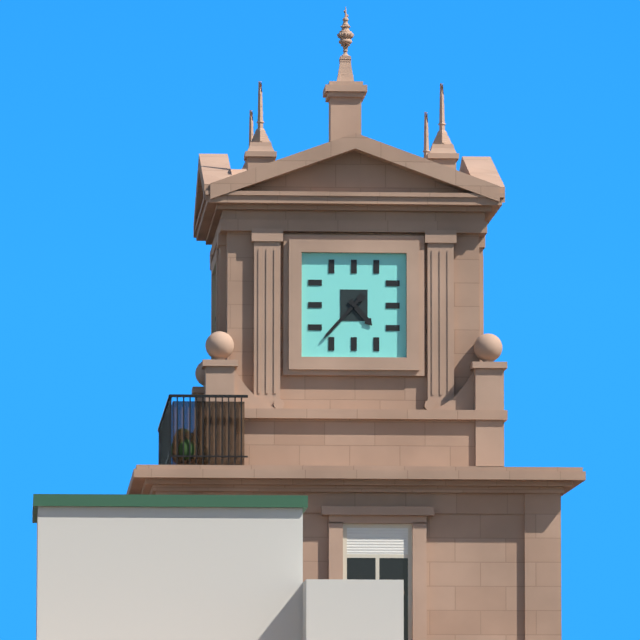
4:37
